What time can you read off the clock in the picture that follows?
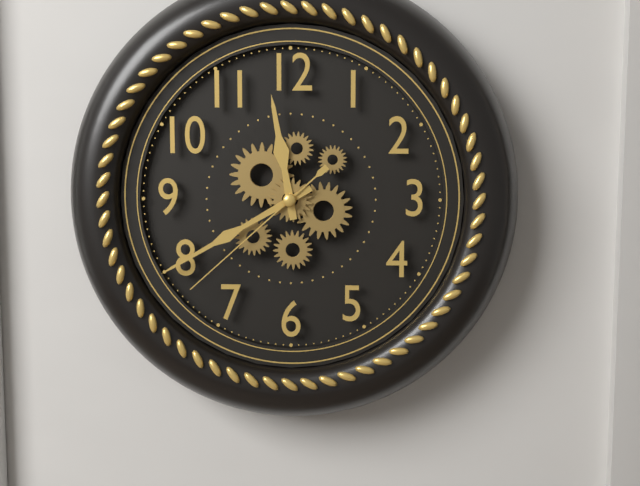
11:40:38
